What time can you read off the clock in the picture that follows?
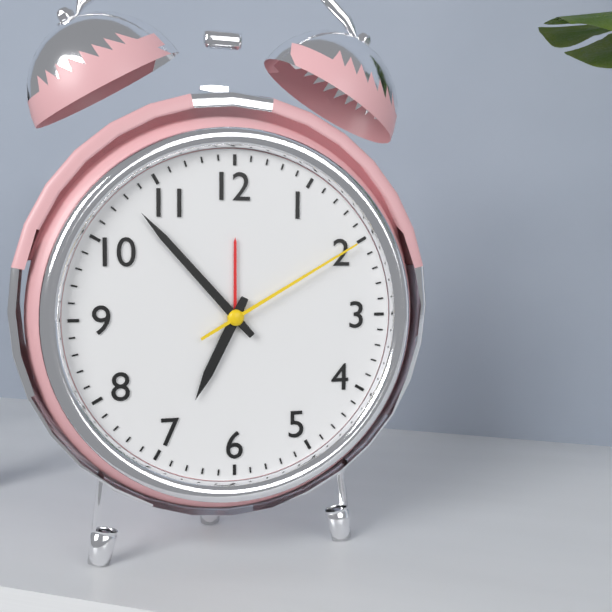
6:53:10
